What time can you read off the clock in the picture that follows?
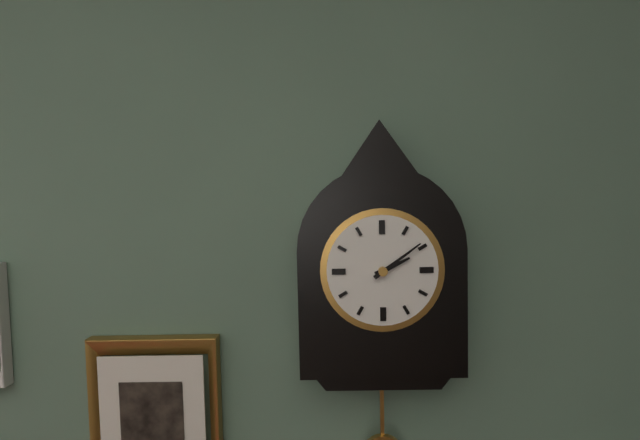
2:09
